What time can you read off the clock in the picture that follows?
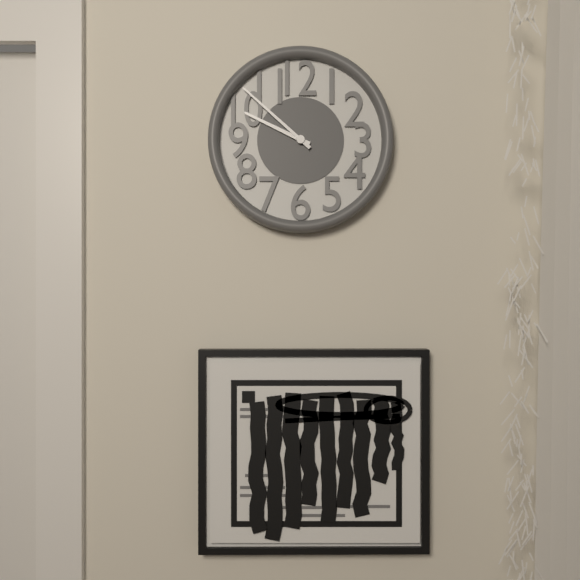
9:52
